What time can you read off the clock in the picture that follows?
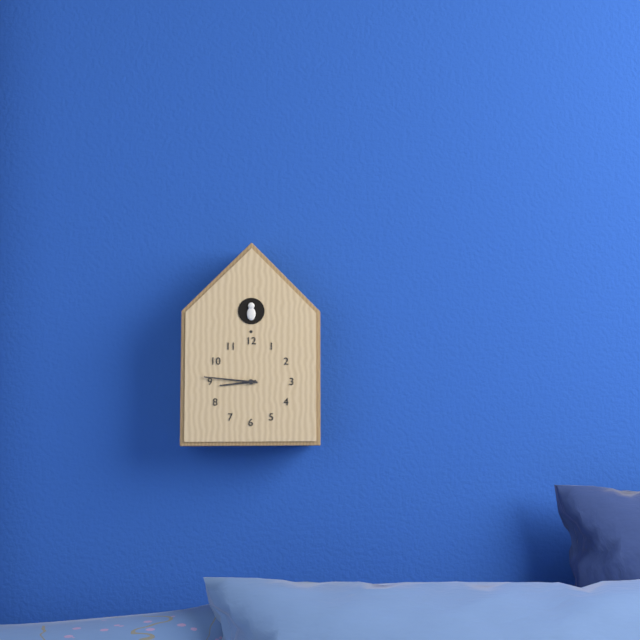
8:46
